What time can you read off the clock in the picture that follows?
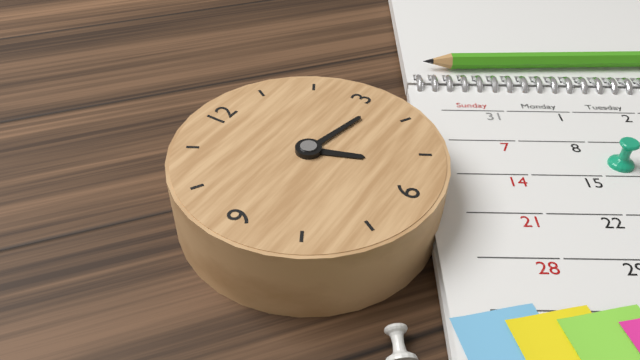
5:17
